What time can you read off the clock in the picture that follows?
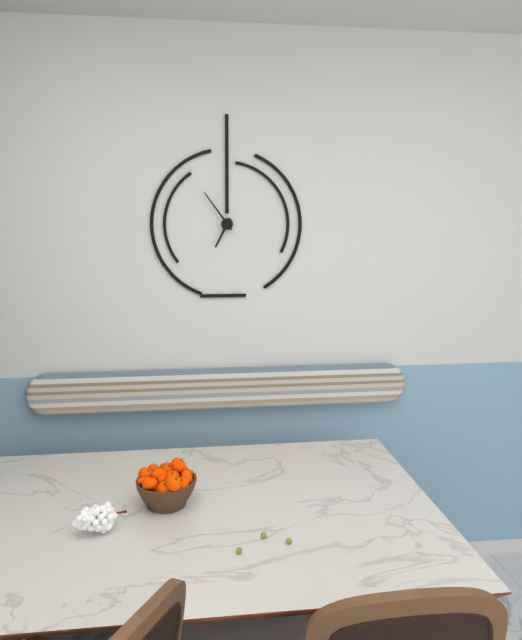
6:54
